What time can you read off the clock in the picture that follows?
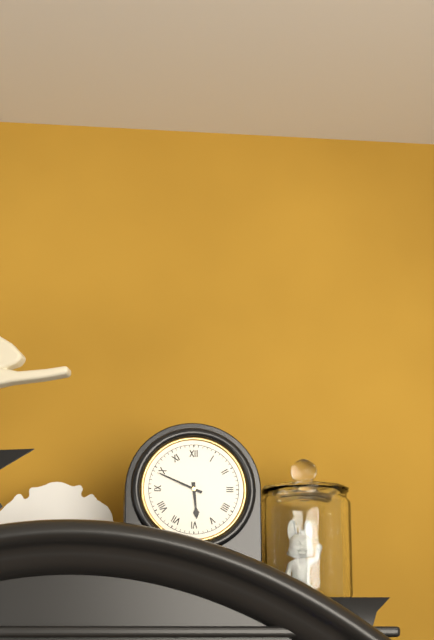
5:49
